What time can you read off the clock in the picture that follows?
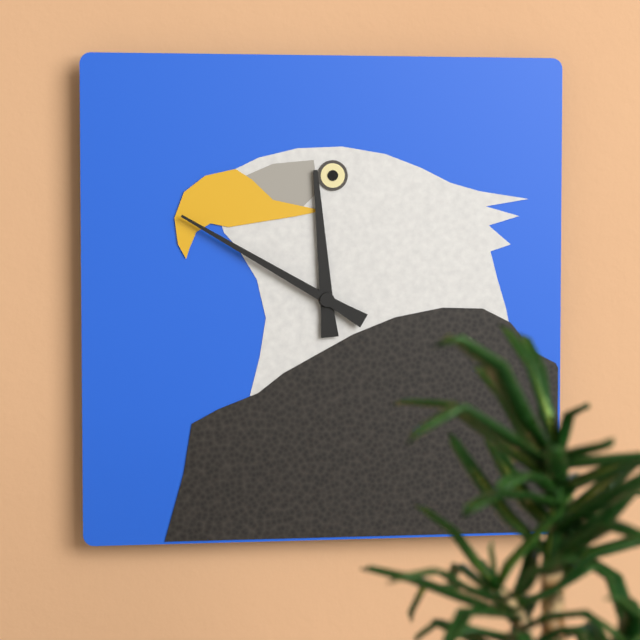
11:50
